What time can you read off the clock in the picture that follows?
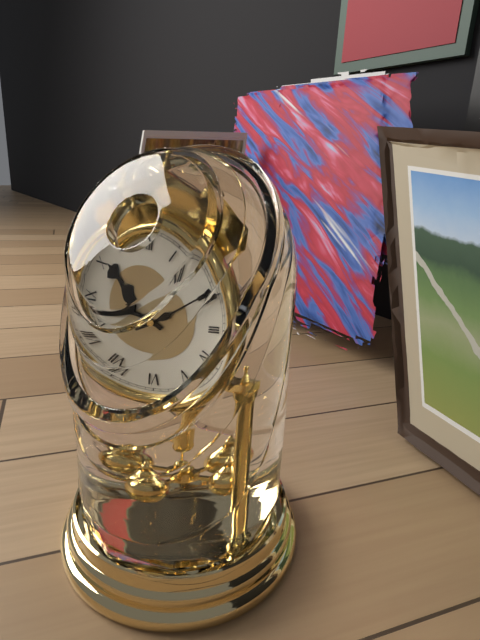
10:10
